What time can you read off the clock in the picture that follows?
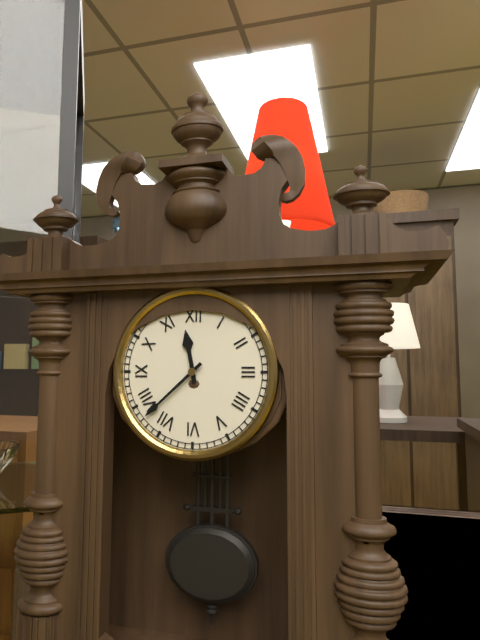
11:38
